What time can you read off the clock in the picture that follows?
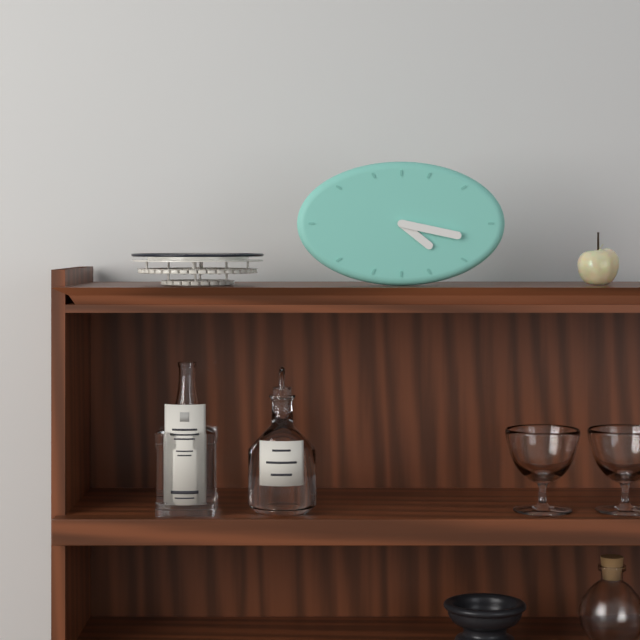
4:17
